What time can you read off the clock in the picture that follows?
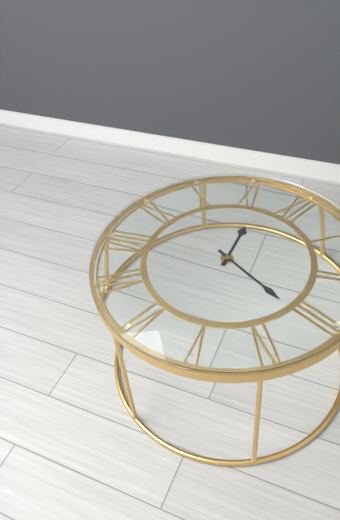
11:16
